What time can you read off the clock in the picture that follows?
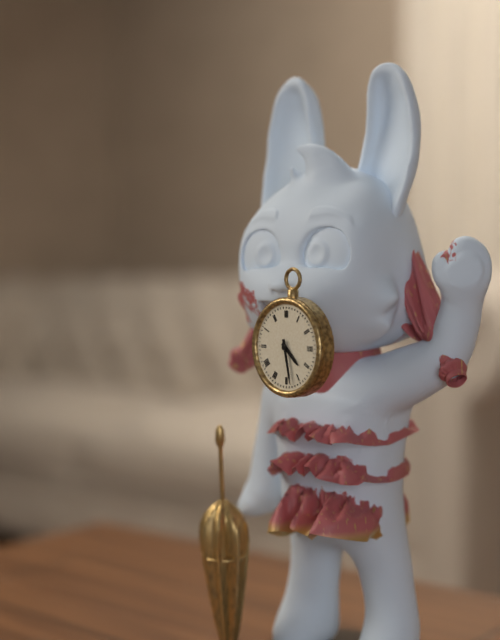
4:28
